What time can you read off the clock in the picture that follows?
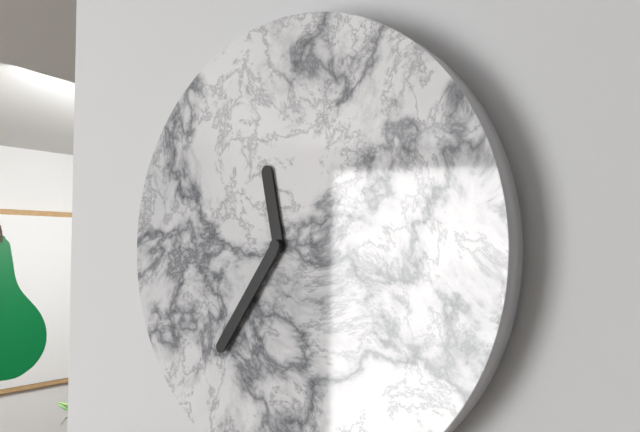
11:36
